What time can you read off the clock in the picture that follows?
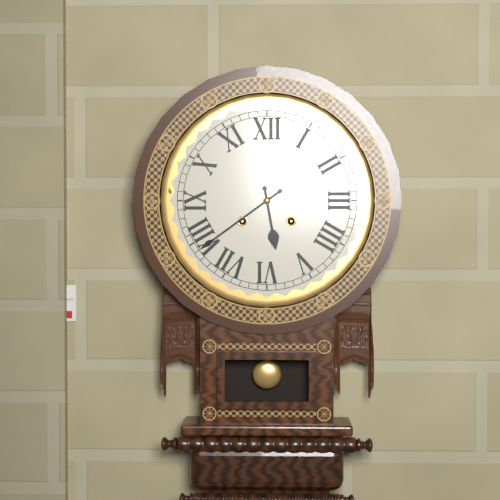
5:39
